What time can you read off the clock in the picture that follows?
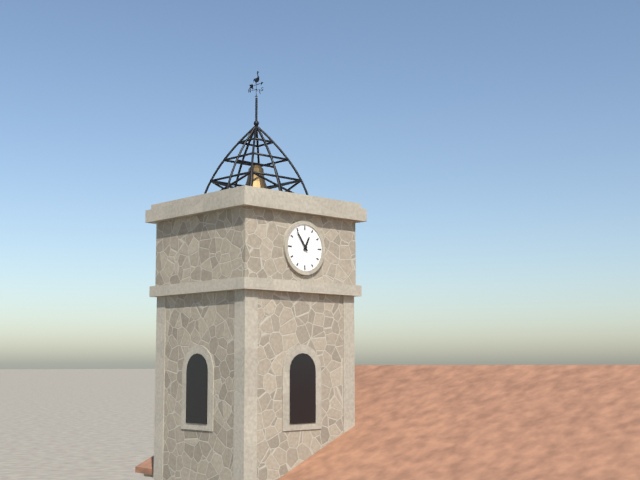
12:54
